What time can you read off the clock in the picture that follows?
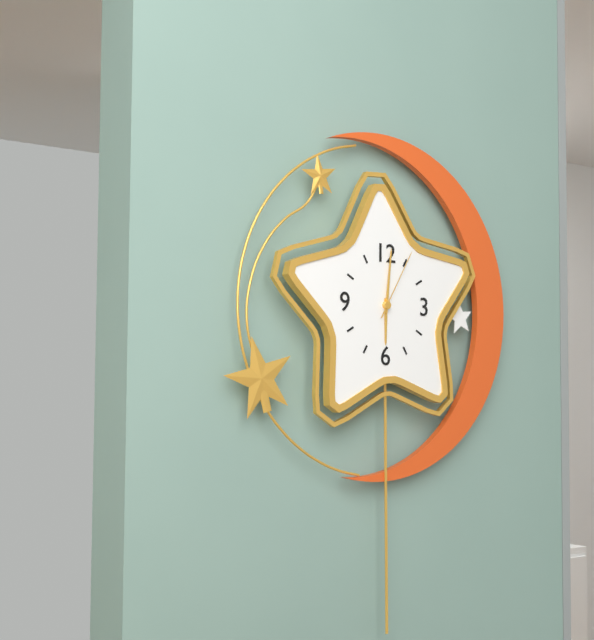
6:01:05
